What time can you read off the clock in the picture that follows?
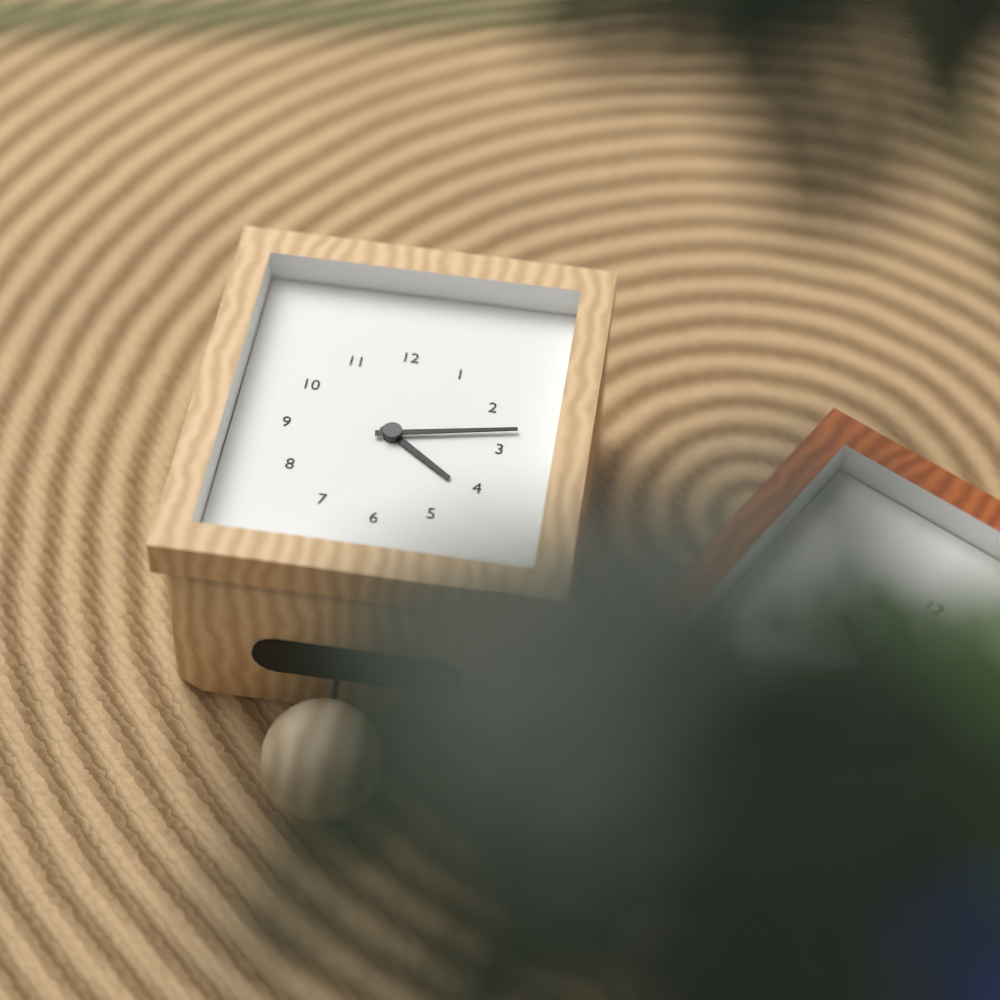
4:13
